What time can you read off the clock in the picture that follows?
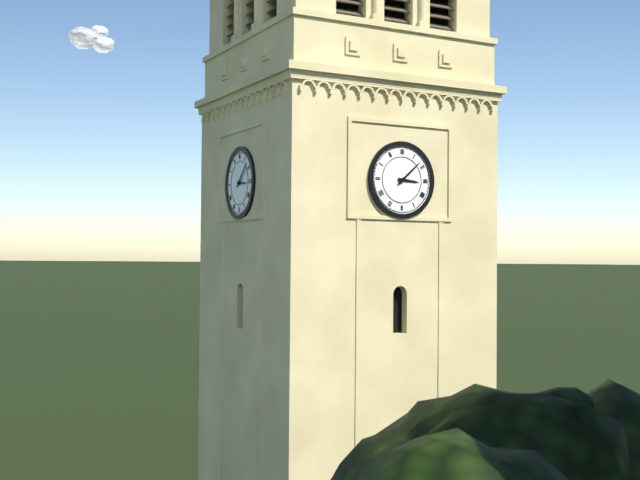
3:08
